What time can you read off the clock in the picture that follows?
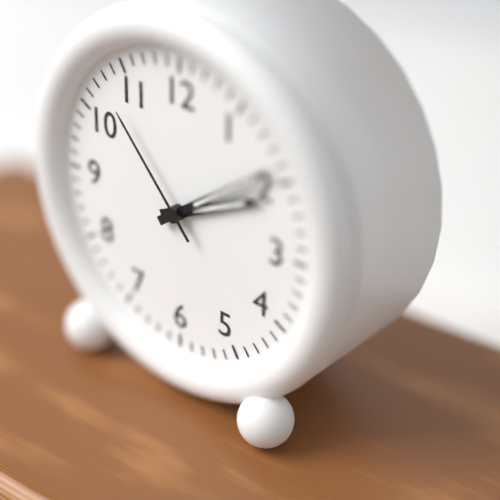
2:09:53
